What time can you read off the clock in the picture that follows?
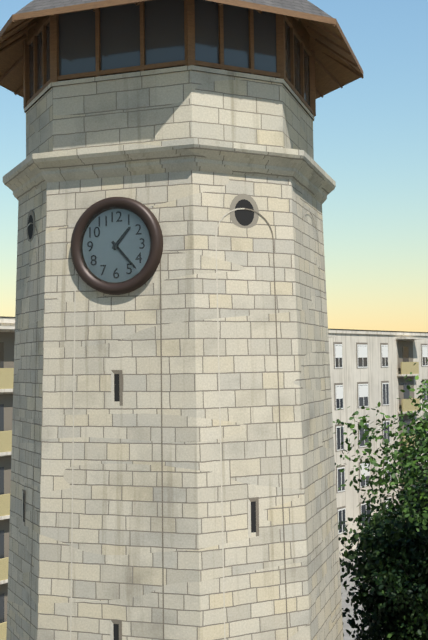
1:23
